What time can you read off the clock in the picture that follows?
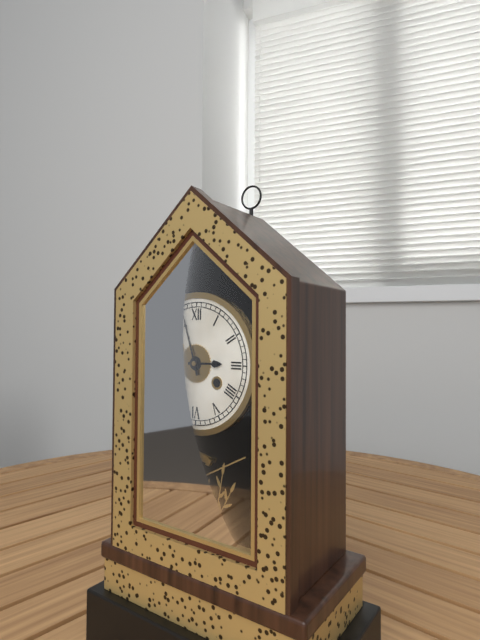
2:57
